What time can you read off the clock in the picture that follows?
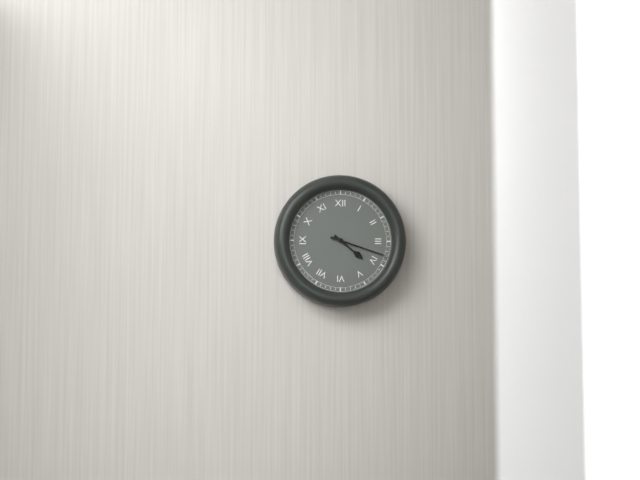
4:18
